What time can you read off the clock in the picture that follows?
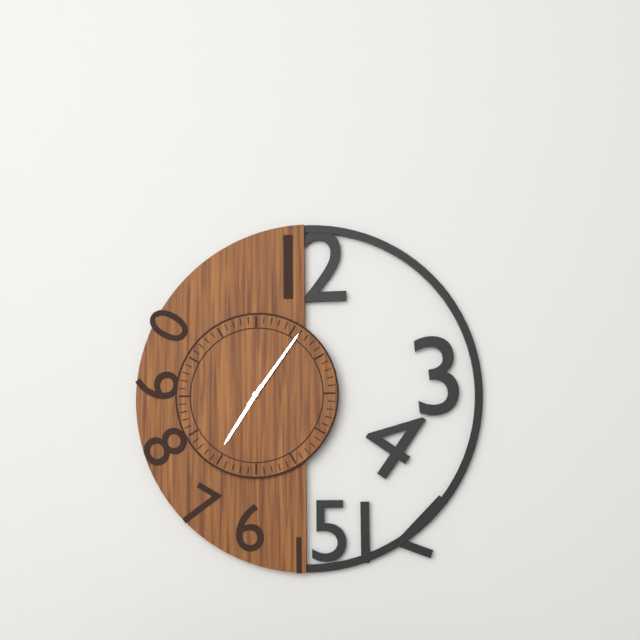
7:06
